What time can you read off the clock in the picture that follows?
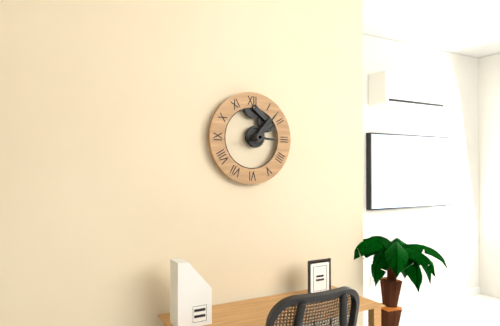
3:07
